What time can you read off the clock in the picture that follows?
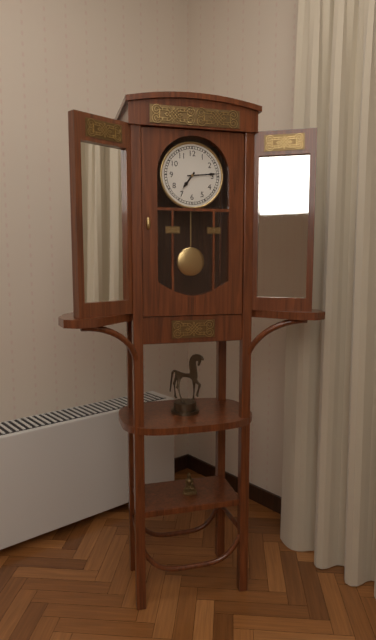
7:14
